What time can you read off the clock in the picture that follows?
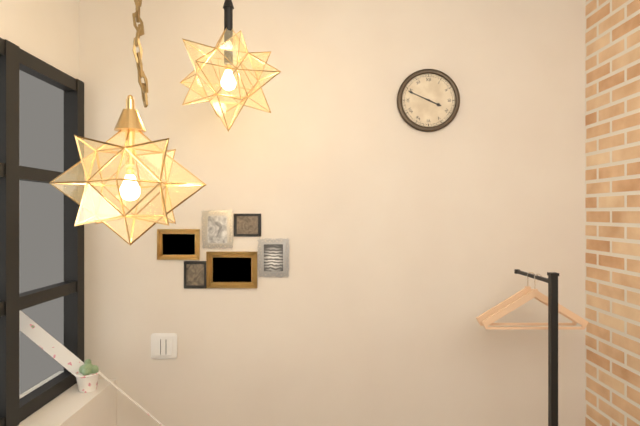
3:49
